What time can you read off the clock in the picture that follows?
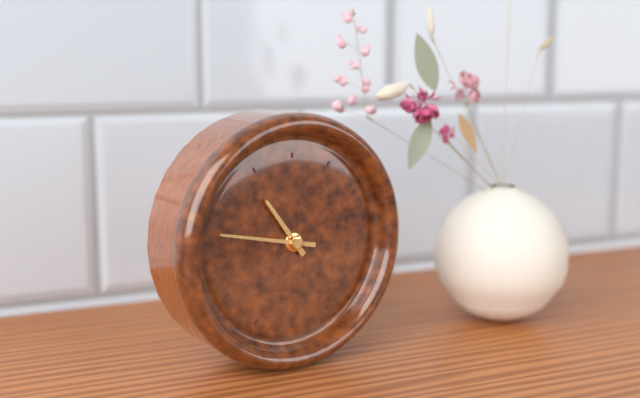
10:47
